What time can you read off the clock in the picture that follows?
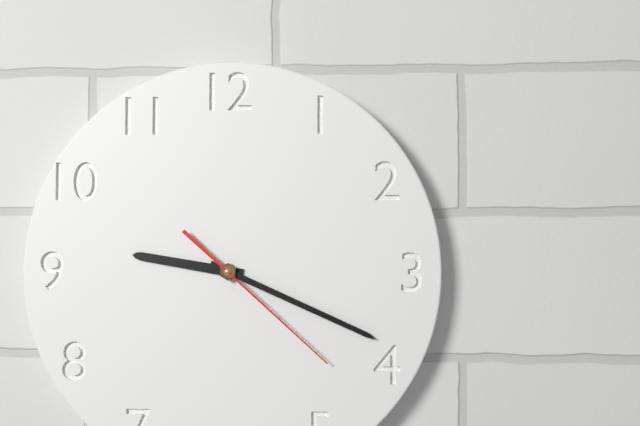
9:19:22
